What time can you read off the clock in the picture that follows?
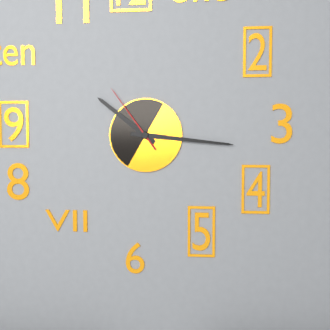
10:16:54
